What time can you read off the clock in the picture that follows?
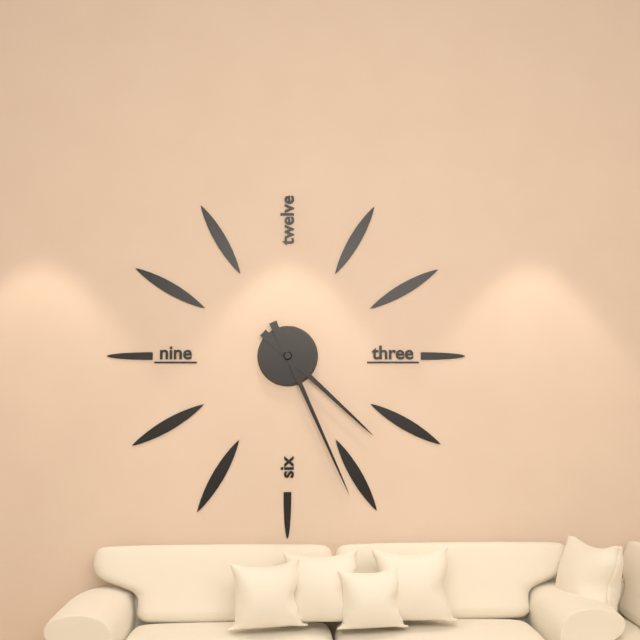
4:26
